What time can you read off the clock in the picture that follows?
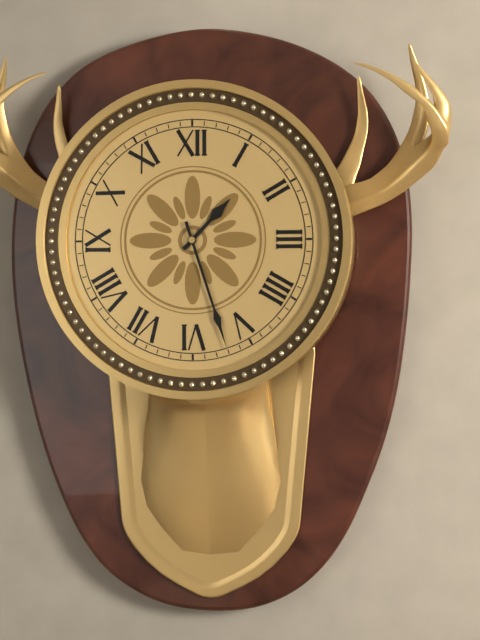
1:27
